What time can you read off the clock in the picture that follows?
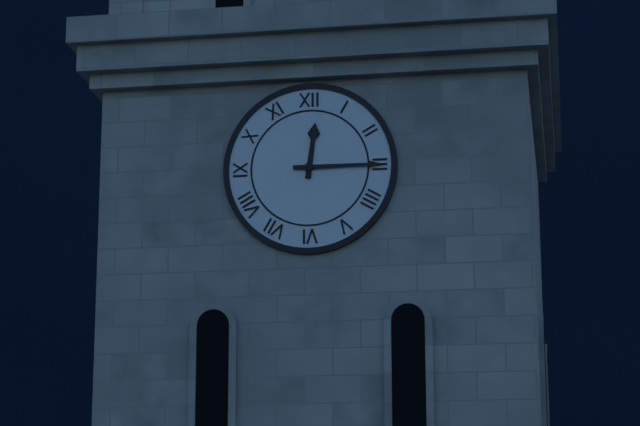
12:15
